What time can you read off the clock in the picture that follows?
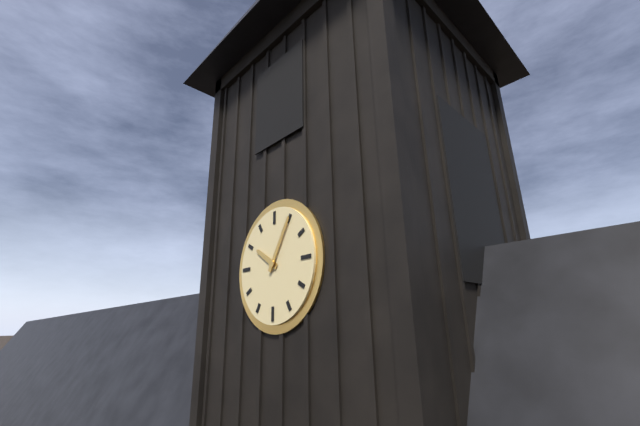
10:05
